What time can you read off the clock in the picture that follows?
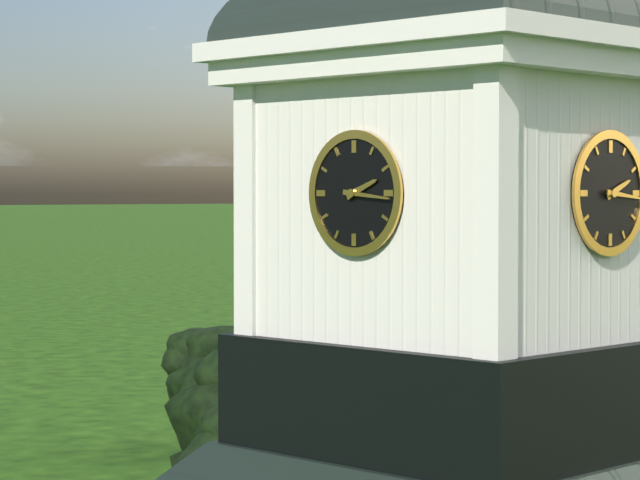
2:16
